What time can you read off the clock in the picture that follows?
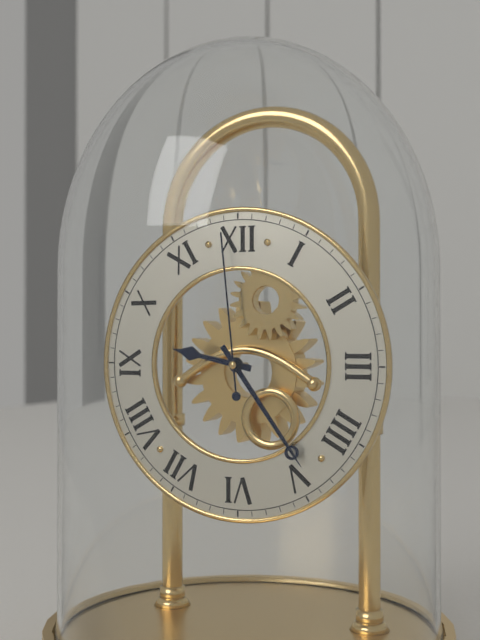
9:24:59
